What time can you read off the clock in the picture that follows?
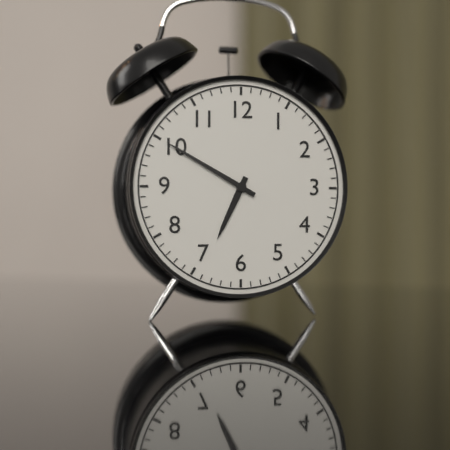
6:50
